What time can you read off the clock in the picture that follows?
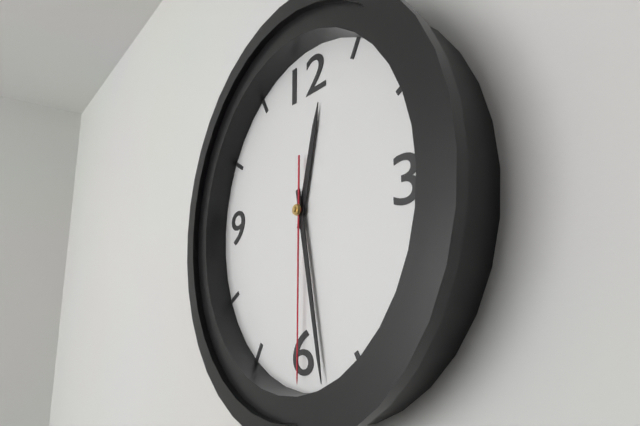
12:28:30
